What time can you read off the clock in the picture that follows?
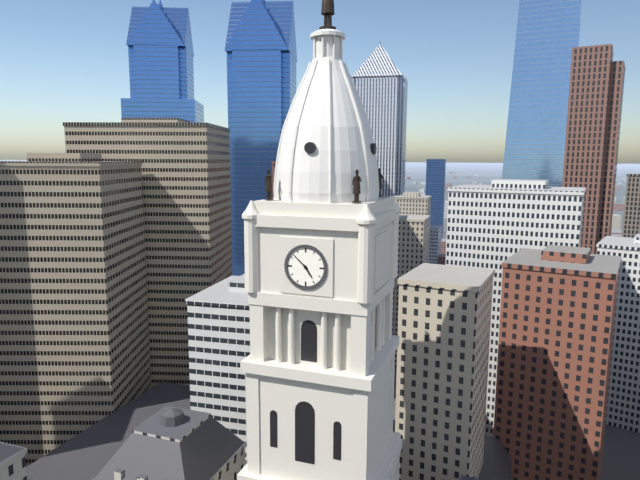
4:52
